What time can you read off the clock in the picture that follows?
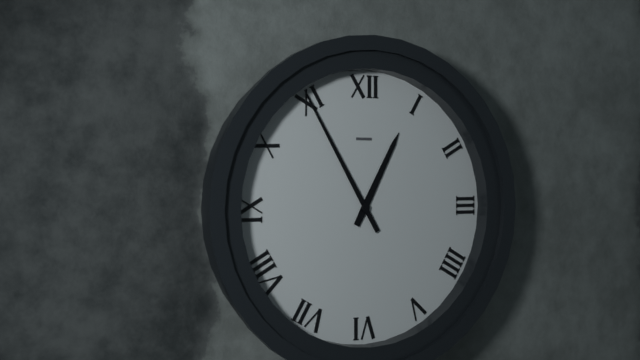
12:55
